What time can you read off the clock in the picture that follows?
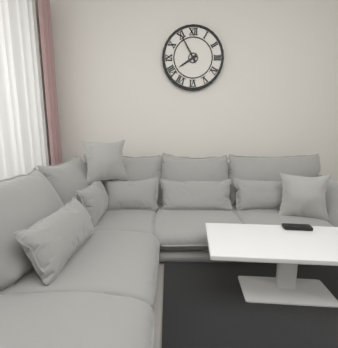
7:55
